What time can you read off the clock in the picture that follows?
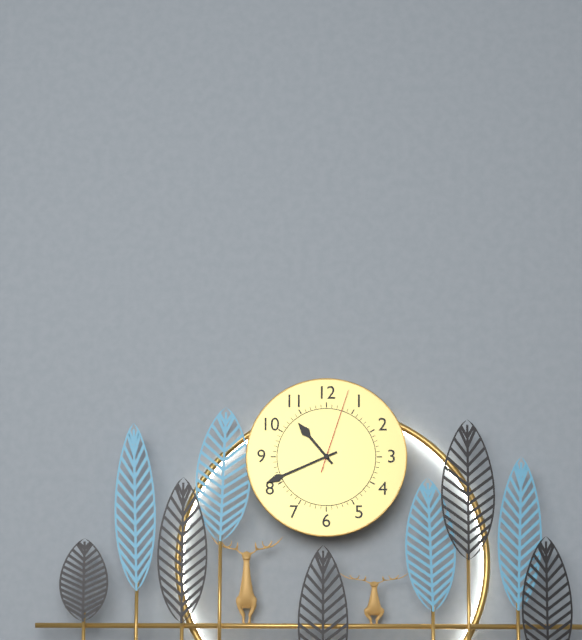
10:41:03
